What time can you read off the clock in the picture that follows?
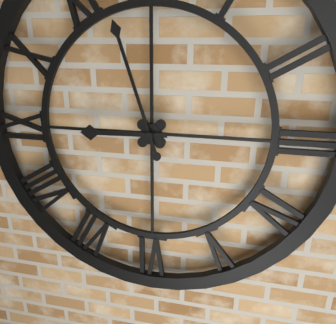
8:57
